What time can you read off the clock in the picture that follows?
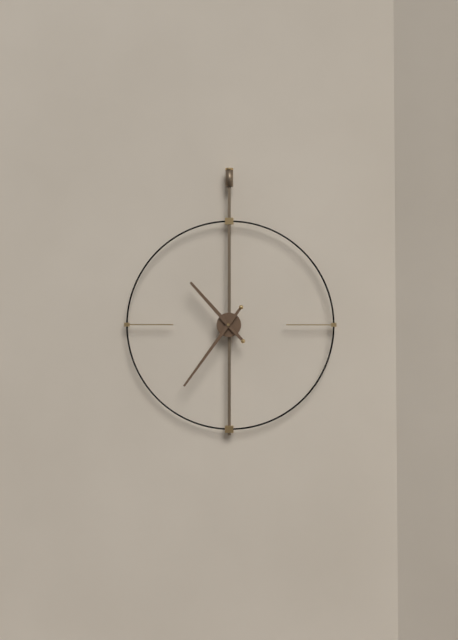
10:36
